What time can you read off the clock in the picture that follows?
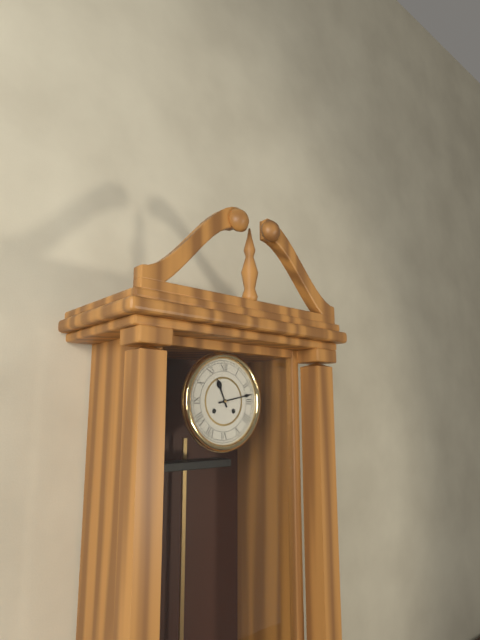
11:13
